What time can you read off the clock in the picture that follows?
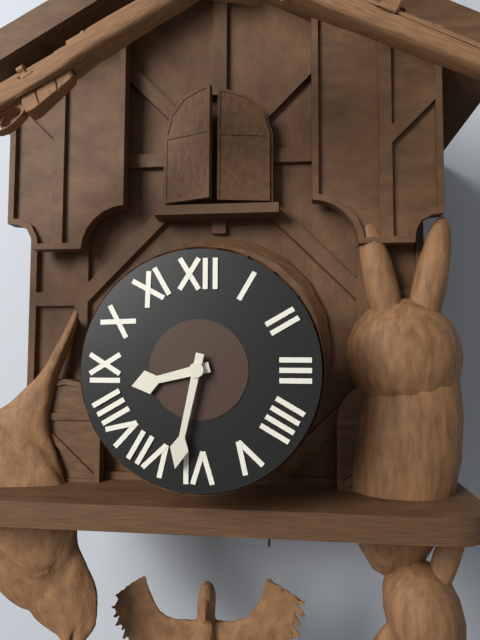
8:32
